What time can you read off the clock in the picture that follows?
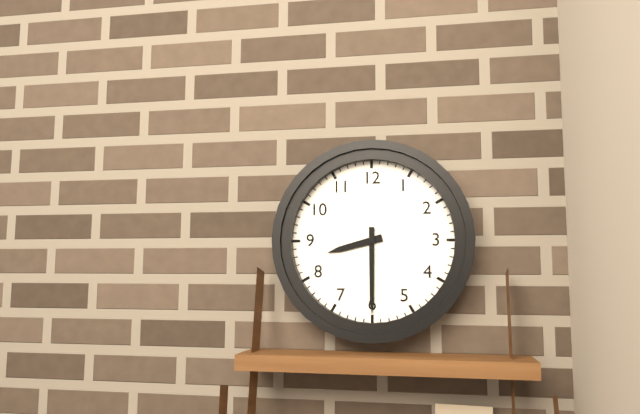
8:30
